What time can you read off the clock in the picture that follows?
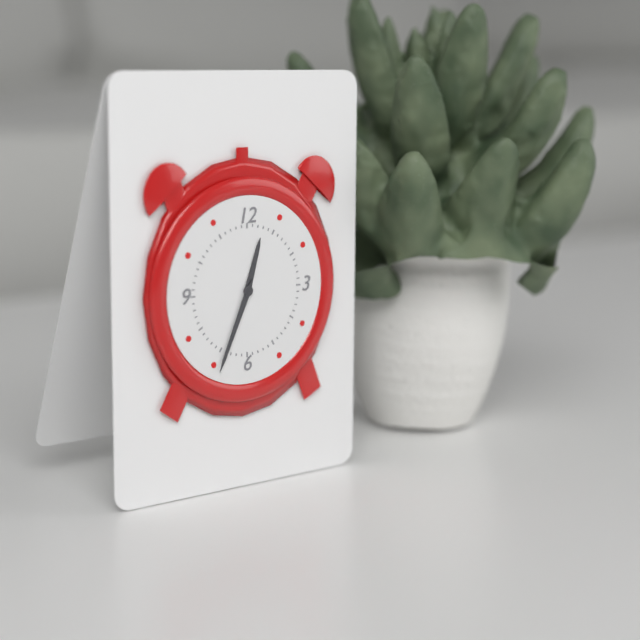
12:34
